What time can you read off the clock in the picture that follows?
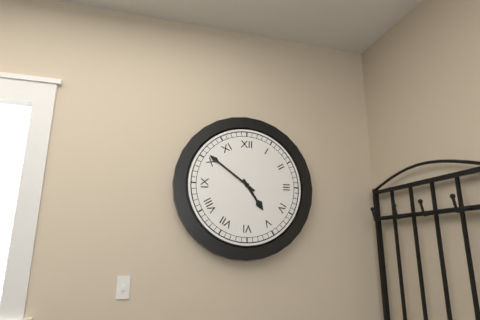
4:51
